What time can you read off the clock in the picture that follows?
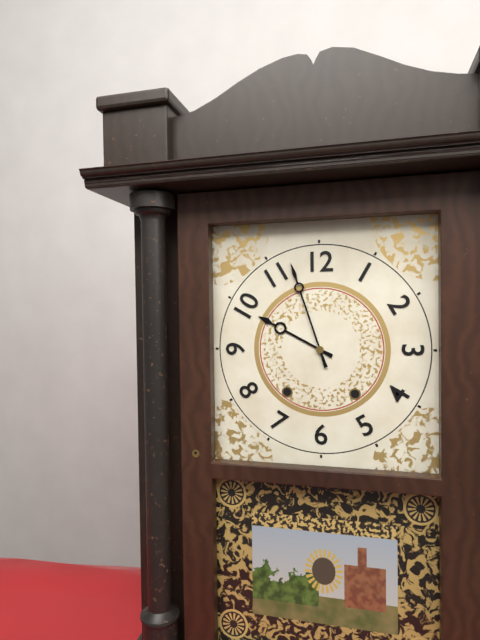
9:57
